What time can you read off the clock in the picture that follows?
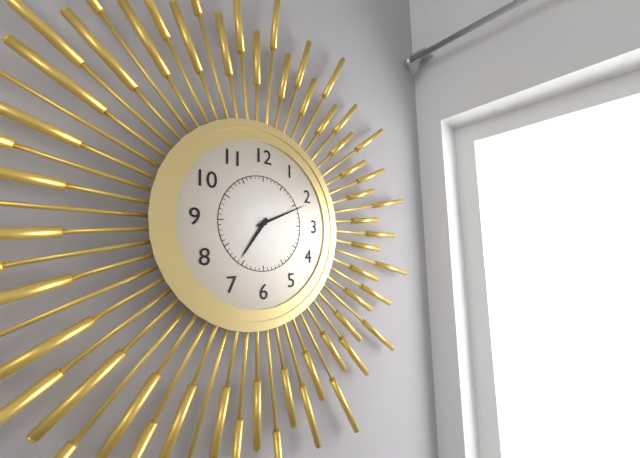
7:11
